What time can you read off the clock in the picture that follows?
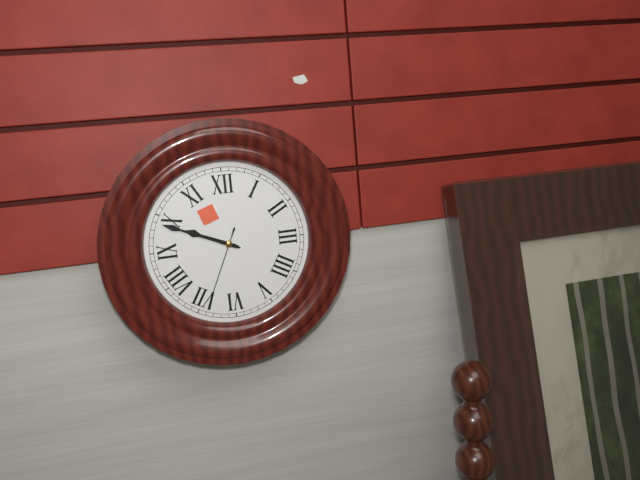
9:49:34
